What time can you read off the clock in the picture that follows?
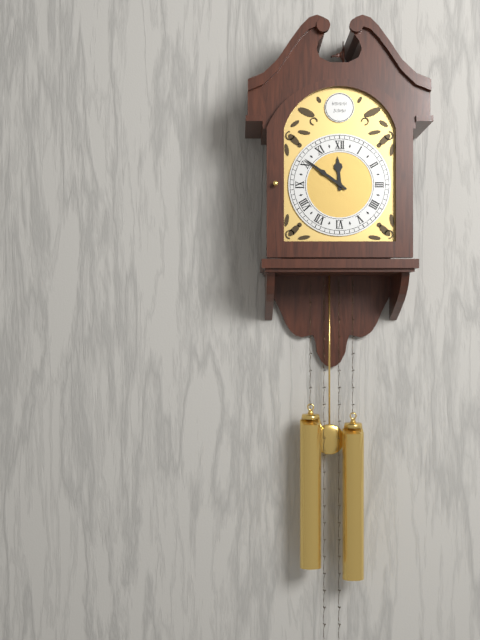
11:51
